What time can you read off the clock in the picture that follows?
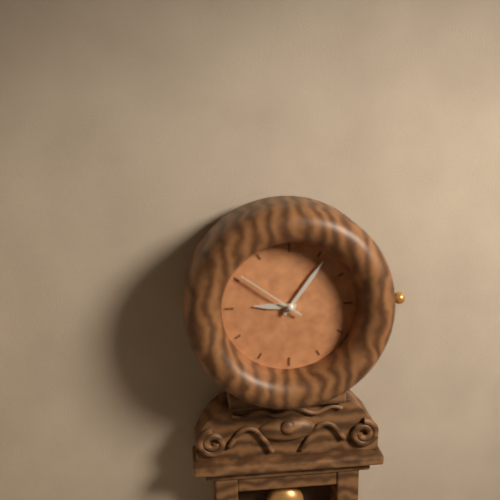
9:06:51
